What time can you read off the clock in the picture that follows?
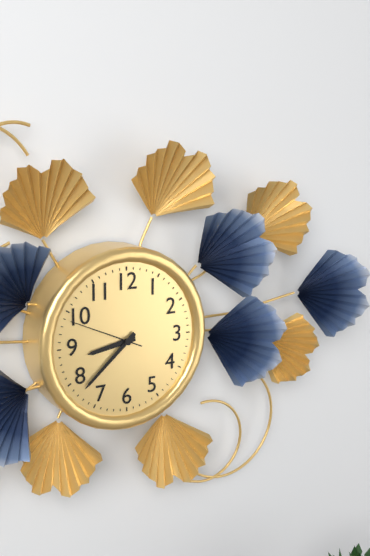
8:38:49
